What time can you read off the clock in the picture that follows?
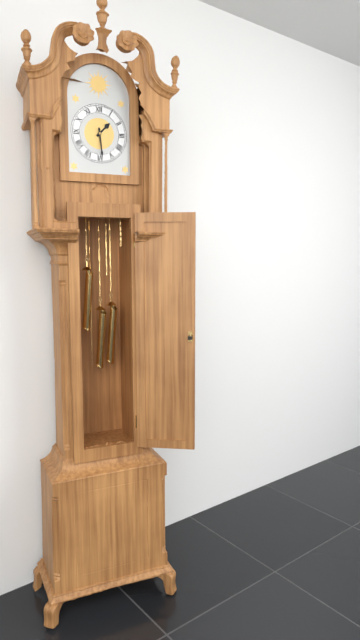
1:29
